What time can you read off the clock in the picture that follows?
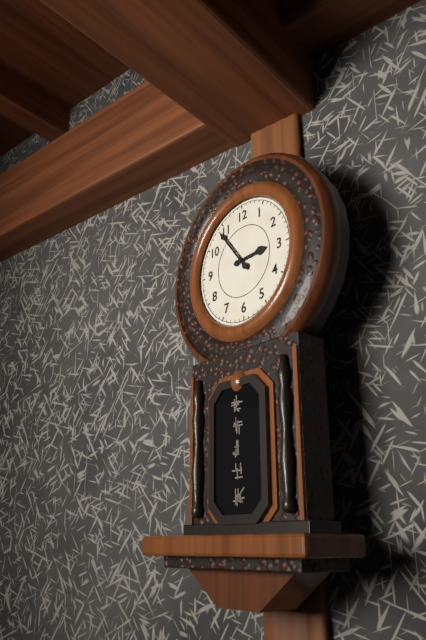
2:54
